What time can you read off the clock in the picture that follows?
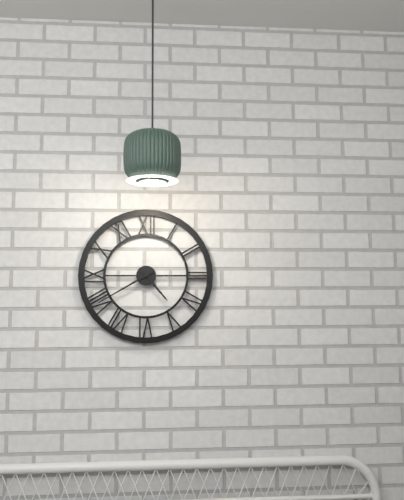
4:40
